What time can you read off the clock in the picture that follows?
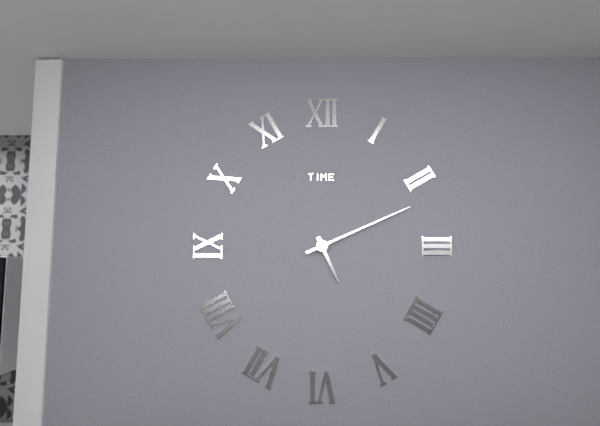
5:11
